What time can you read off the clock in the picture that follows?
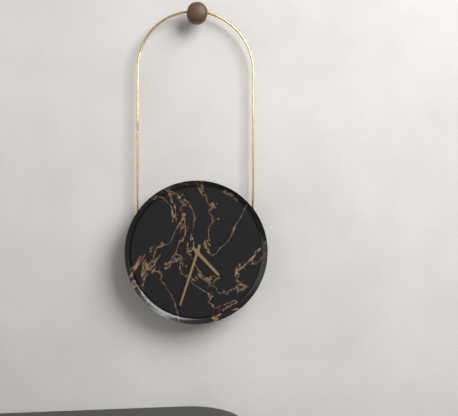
4:33
